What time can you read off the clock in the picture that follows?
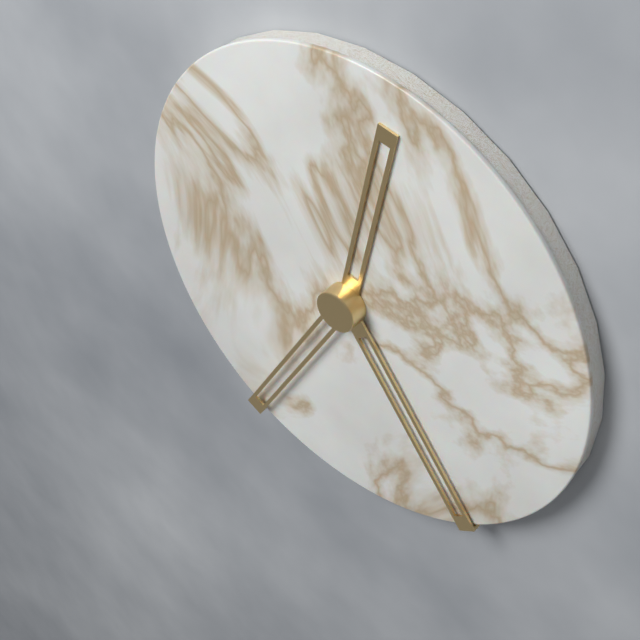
12:24:35
